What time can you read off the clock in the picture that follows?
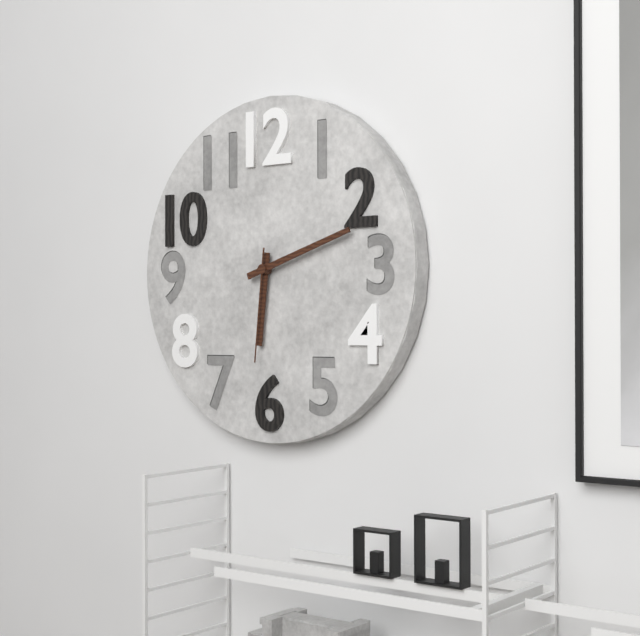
6:12:31
